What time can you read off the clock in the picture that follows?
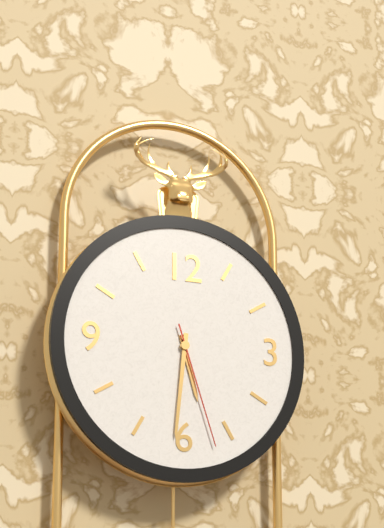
5:31:27
